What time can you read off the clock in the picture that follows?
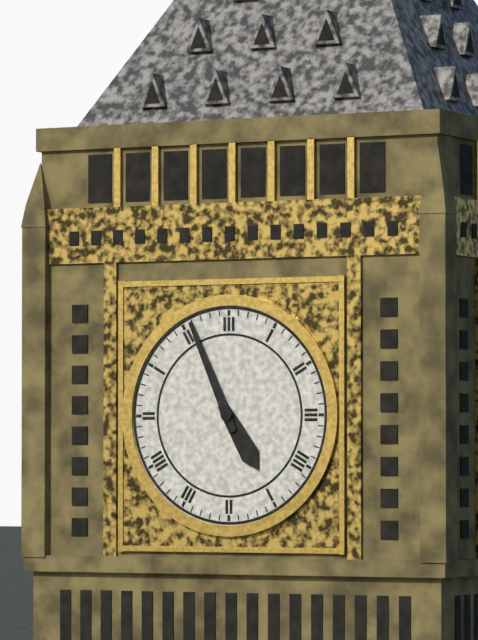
4:56
